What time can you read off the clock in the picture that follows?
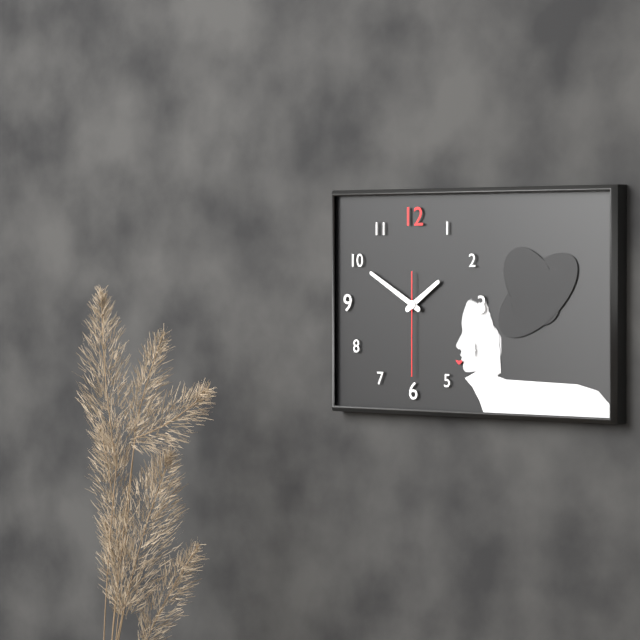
1:50:30
